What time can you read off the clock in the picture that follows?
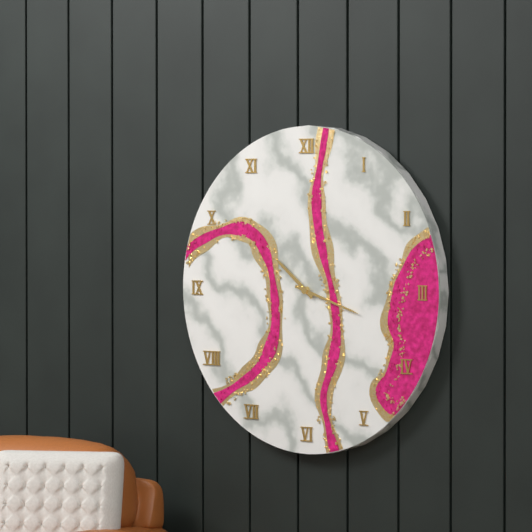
10:18
